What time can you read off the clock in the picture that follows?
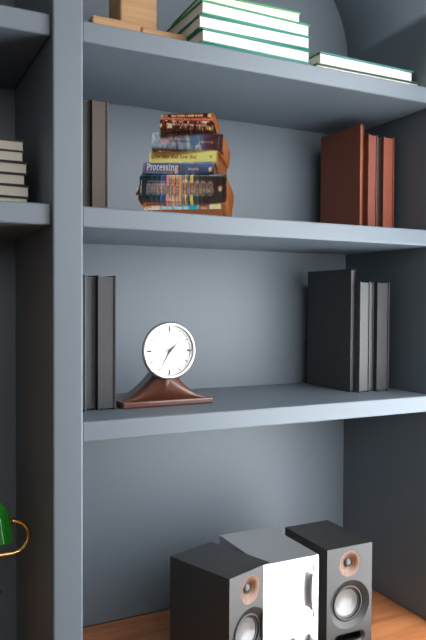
1:35
